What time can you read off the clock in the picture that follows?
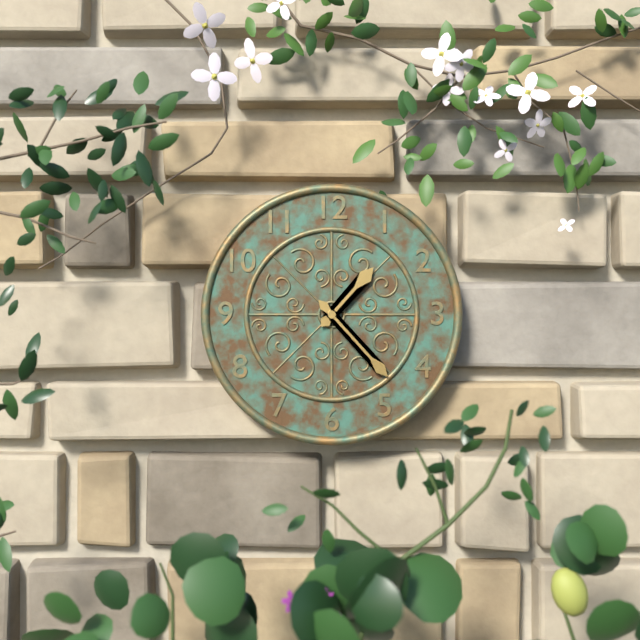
1:23
